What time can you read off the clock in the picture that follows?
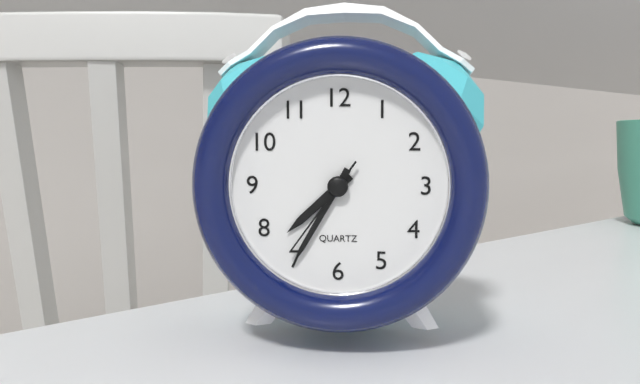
7:35:36
